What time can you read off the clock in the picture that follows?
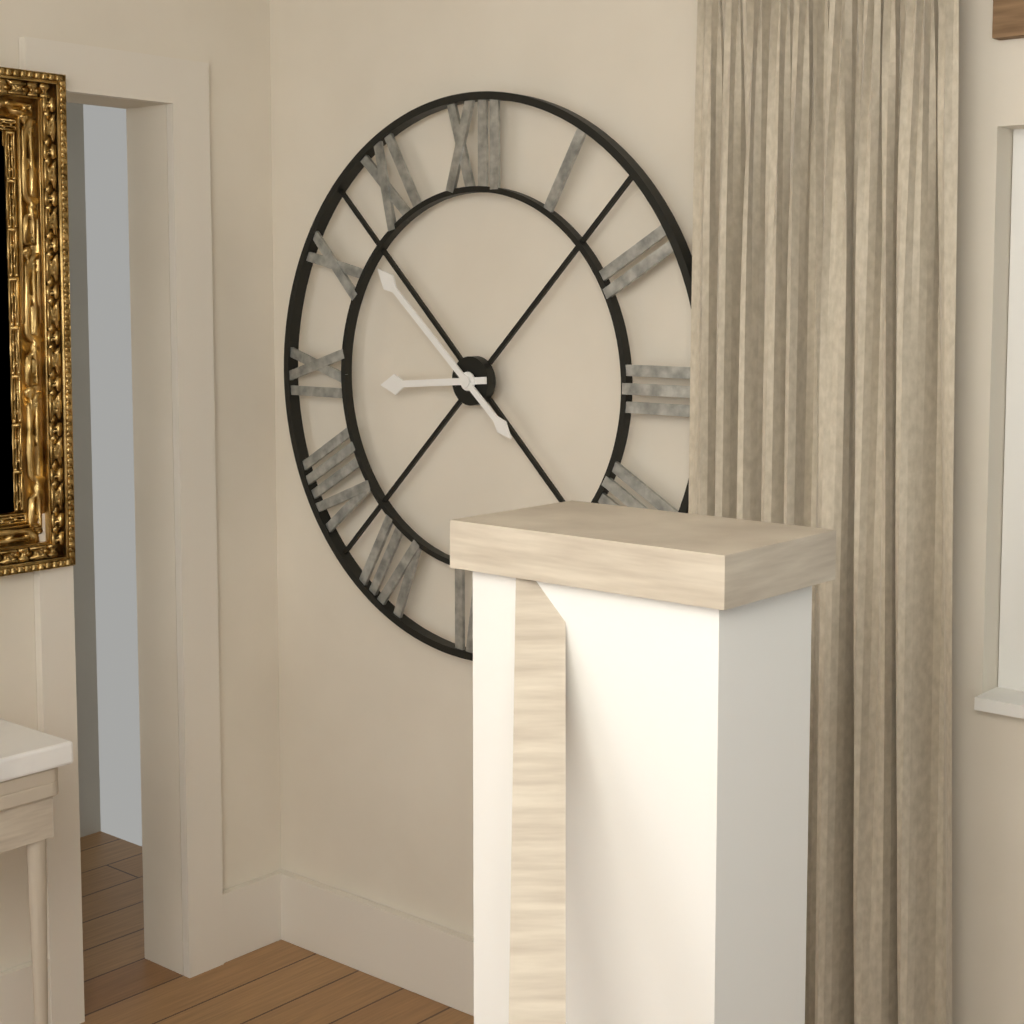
8:52
